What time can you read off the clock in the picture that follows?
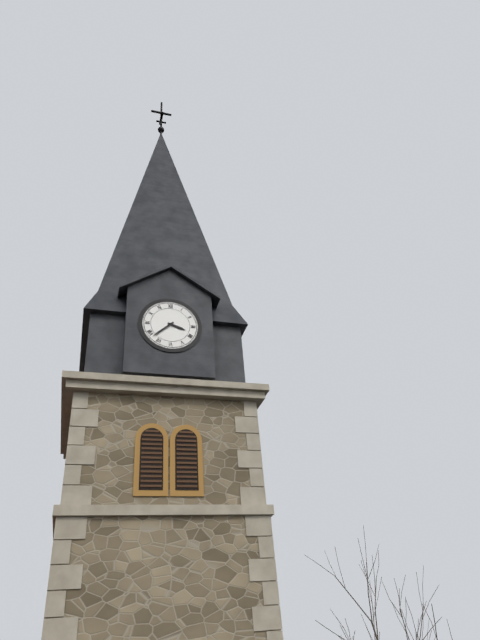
3:38
